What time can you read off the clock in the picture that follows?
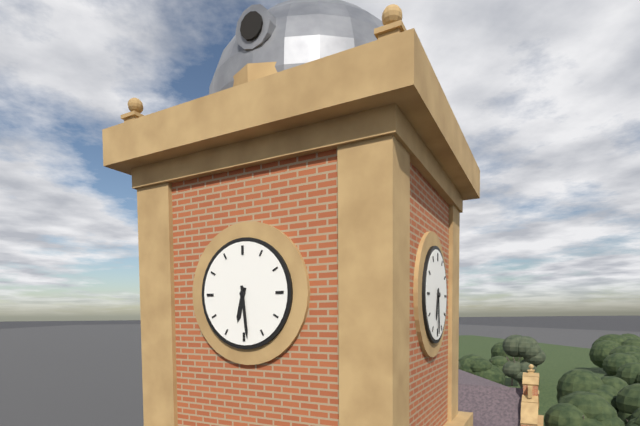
6:29
